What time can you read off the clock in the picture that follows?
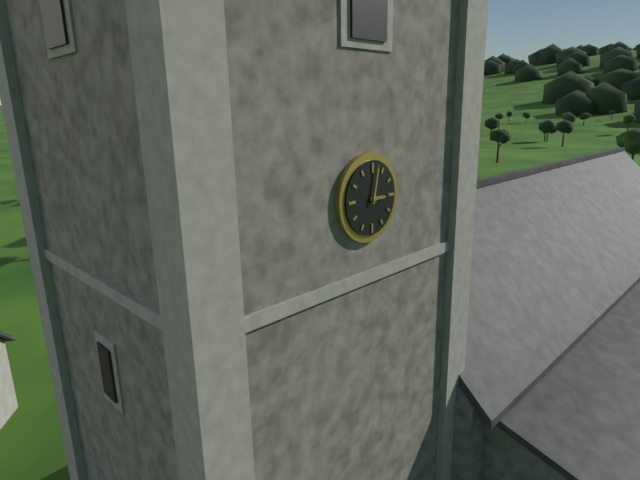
3:02
